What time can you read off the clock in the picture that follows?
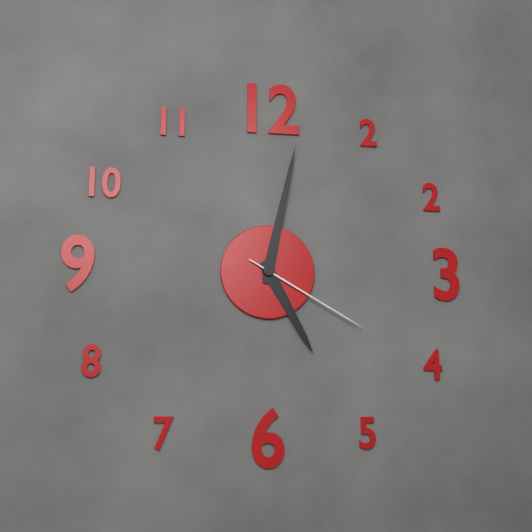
5:02:20
